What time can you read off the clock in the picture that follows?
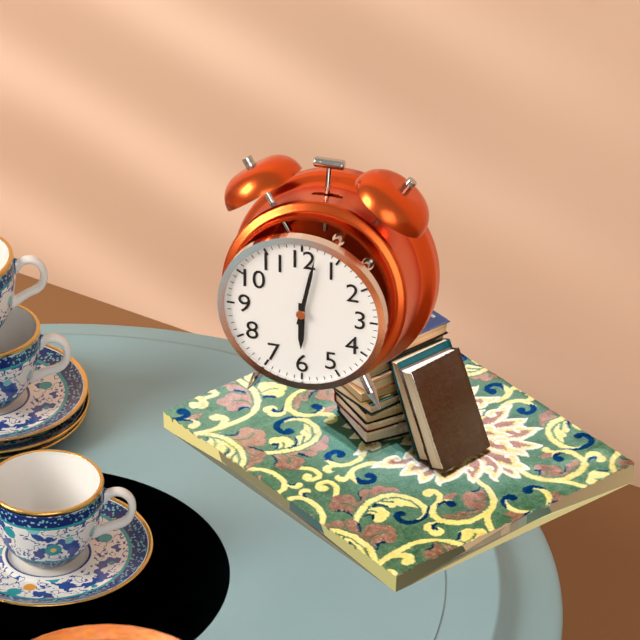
6:02
